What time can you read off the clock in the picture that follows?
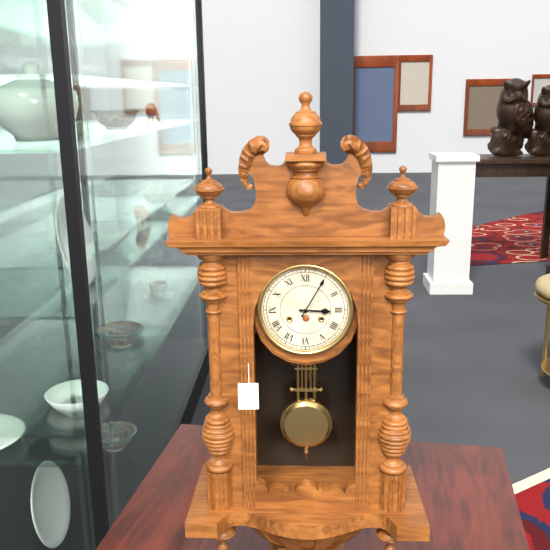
3:05
